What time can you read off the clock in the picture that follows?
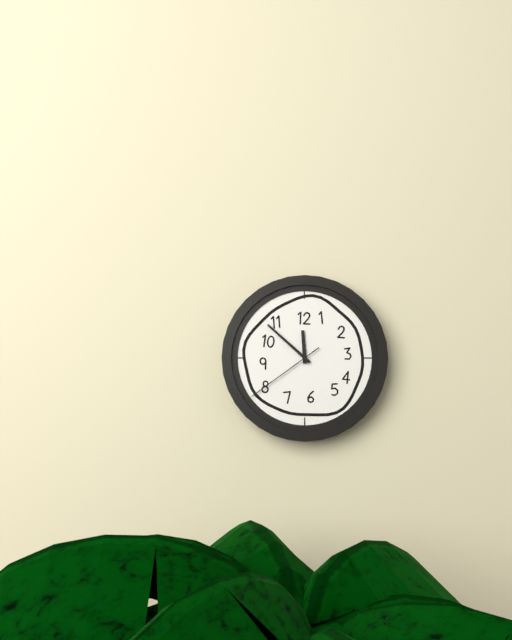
11:52:39
